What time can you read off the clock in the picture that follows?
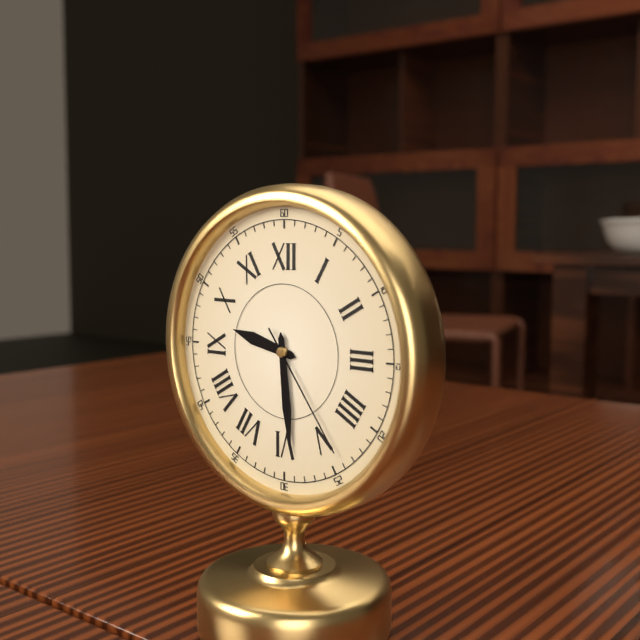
9:29:24
